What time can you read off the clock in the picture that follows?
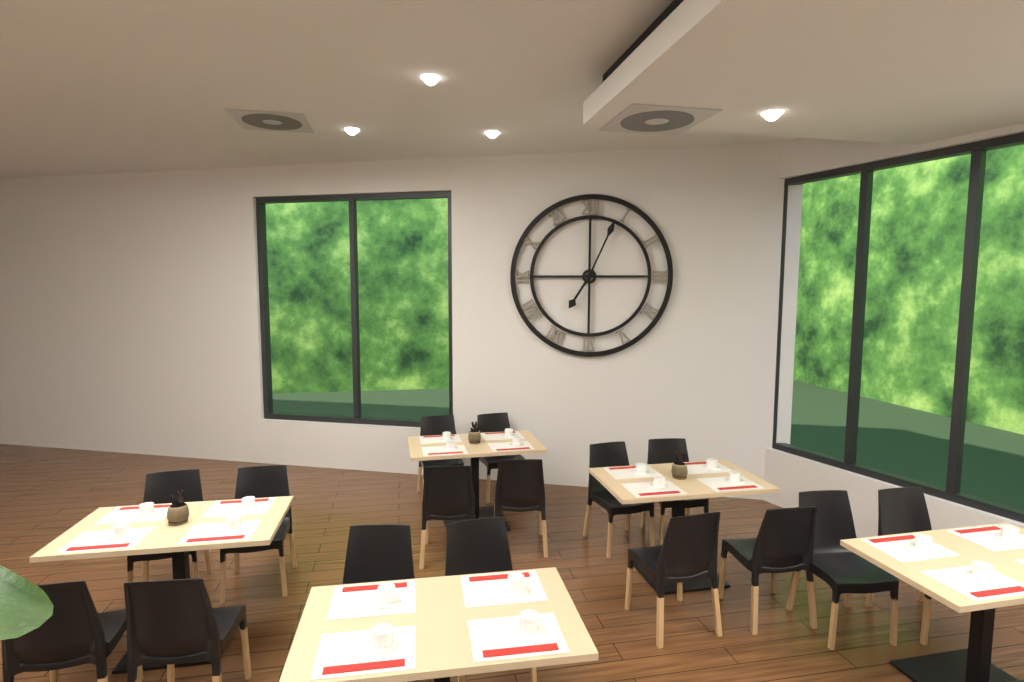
7:04
